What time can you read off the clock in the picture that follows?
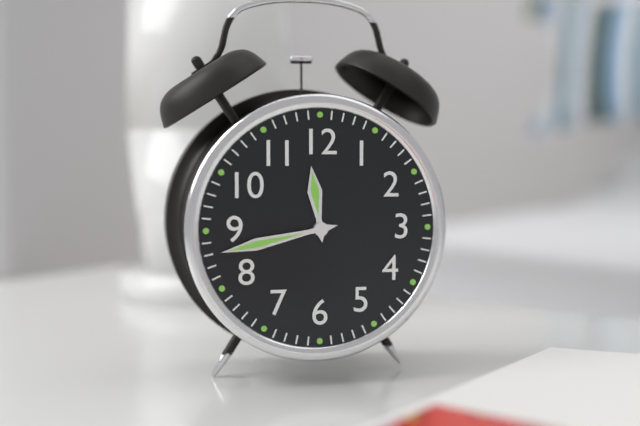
11:43
